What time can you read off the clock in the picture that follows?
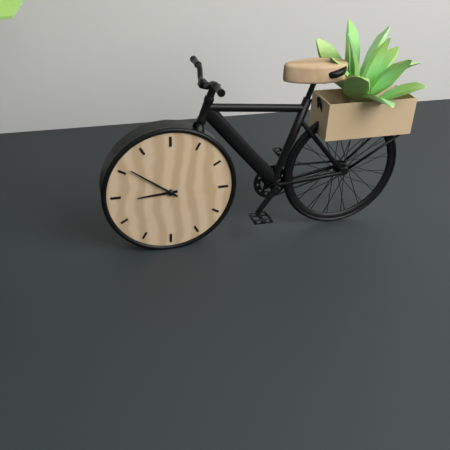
8:51
